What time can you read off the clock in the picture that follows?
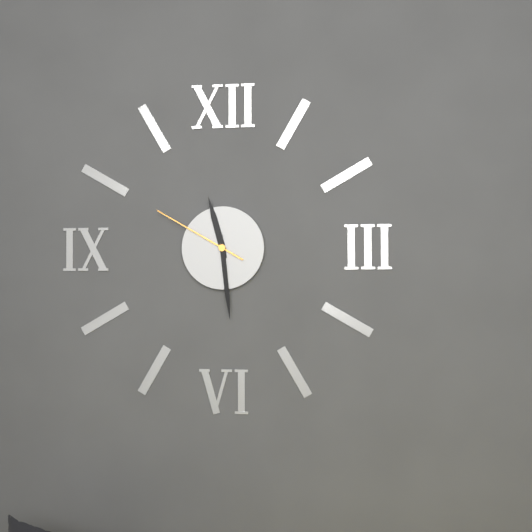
11:29:50
